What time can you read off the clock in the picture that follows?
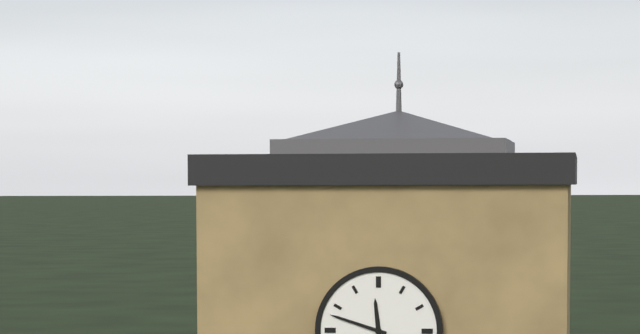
11:48
